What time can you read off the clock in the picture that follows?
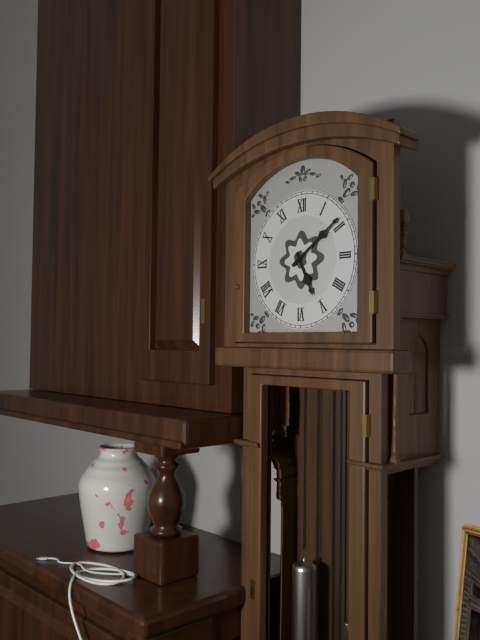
5:09
